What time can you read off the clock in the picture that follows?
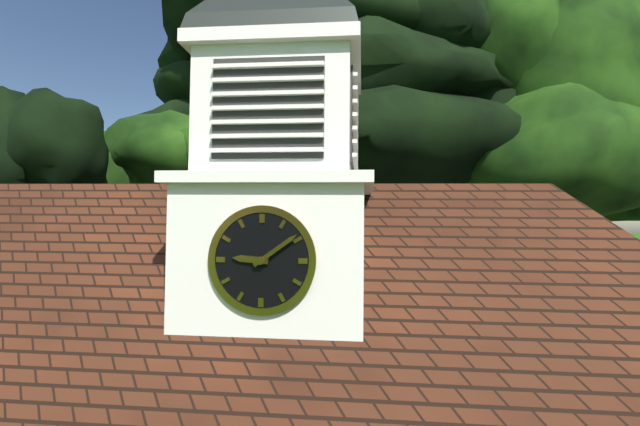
9:09
